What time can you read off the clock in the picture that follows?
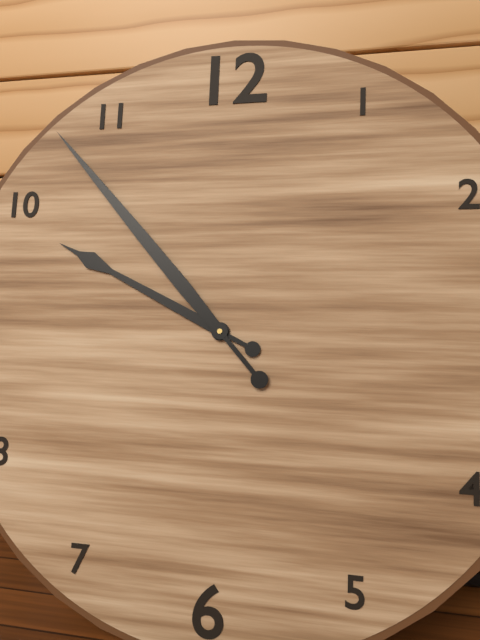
9:53
